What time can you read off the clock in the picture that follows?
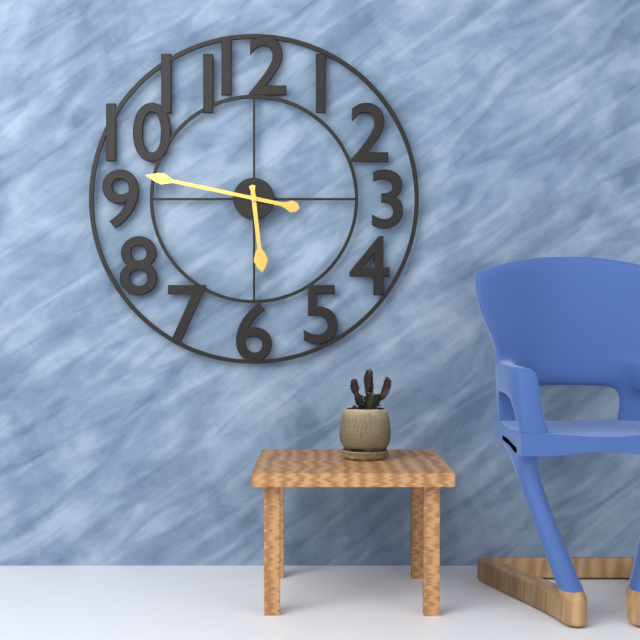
5:47
